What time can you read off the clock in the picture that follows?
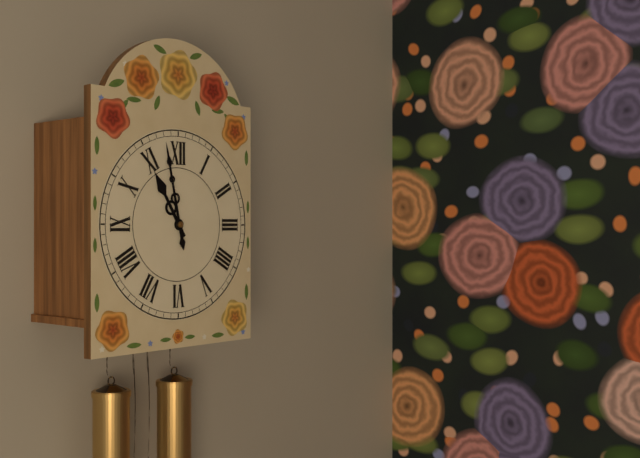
10:58
